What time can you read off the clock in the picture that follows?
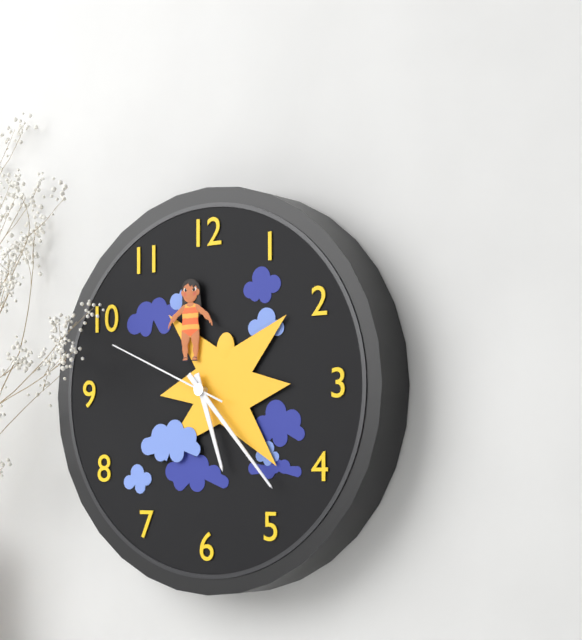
5:23:49
